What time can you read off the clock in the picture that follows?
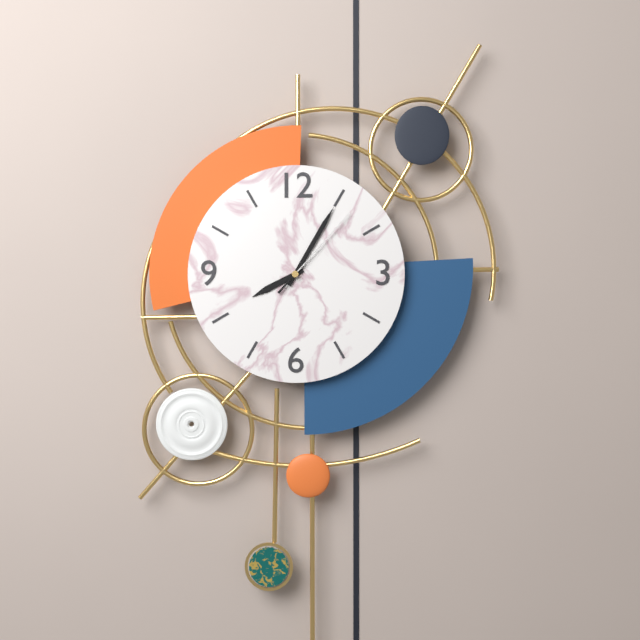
8:05:07
